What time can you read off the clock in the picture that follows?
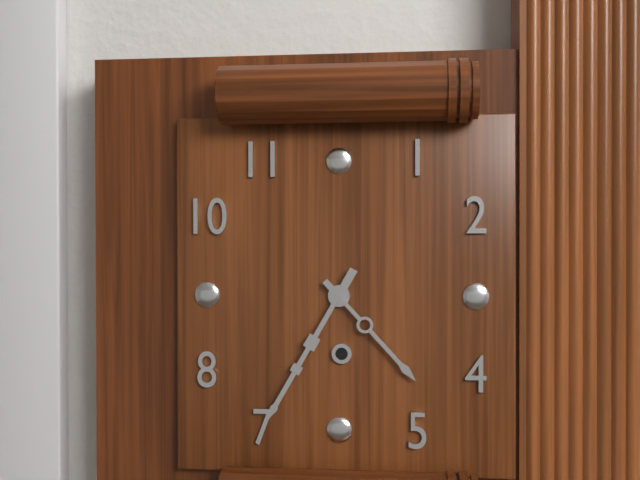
4:35
